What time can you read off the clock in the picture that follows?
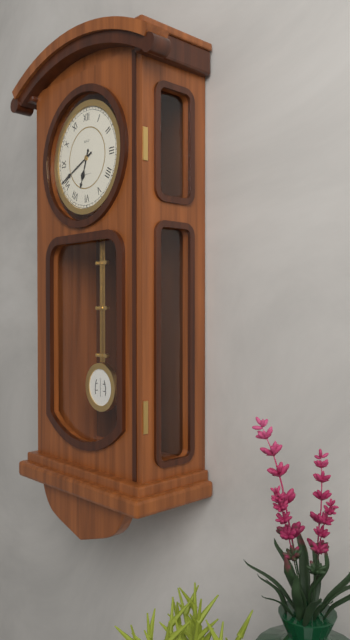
6:41
